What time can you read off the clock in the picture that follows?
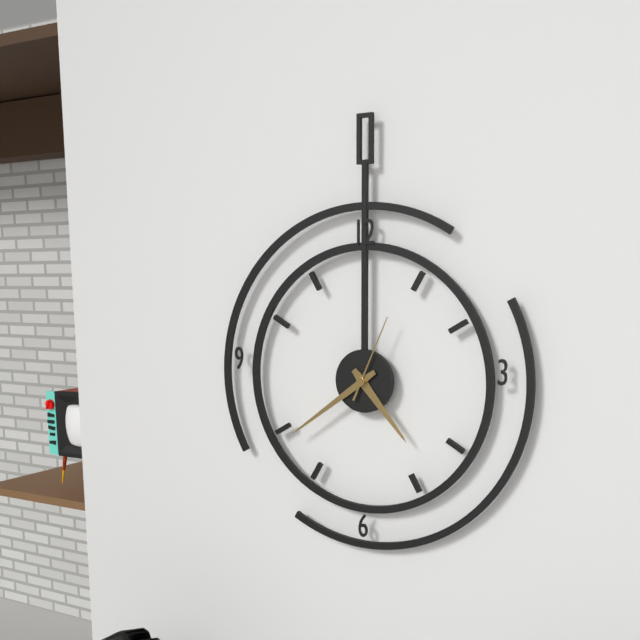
4:39:04
